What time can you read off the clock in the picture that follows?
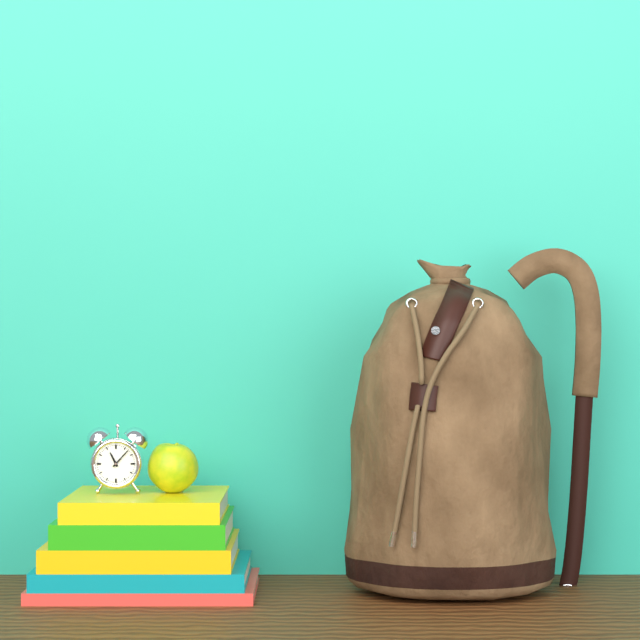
11:07
